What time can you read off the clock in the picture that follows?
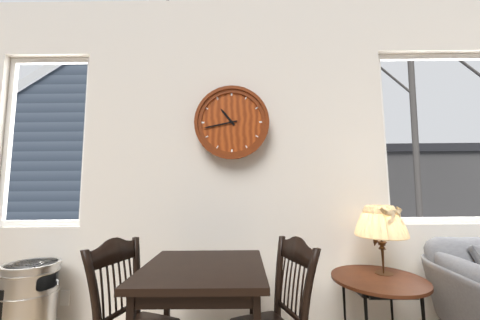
10:43
